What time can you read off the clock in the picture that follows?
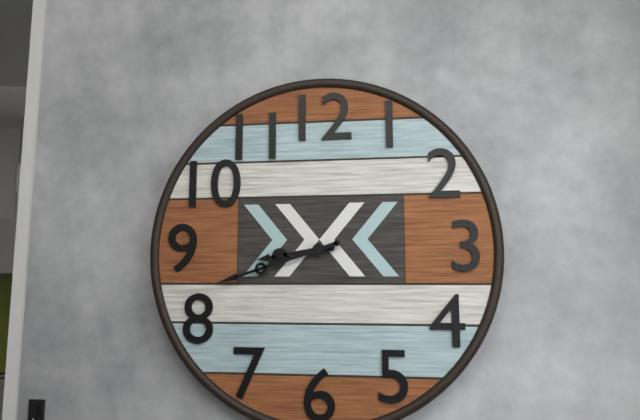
8:42
